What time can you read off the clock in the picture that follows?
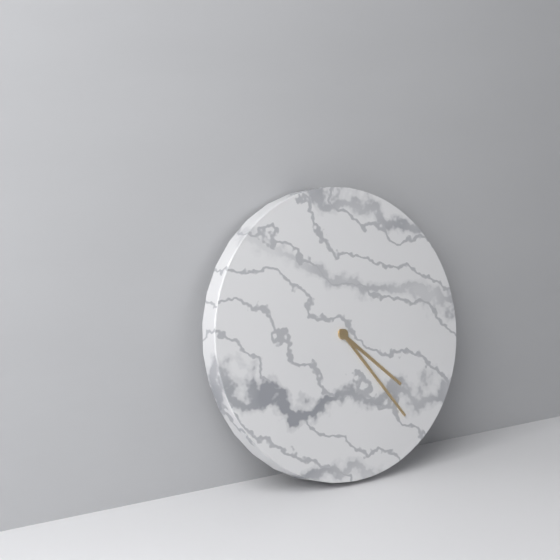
4:24
